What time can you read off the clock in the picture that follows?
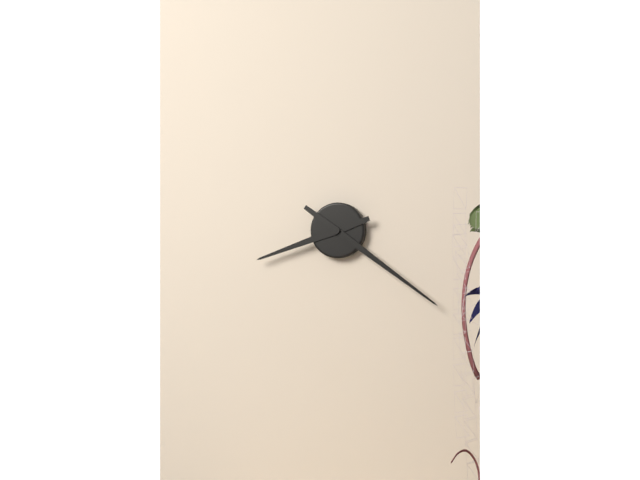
8:21
